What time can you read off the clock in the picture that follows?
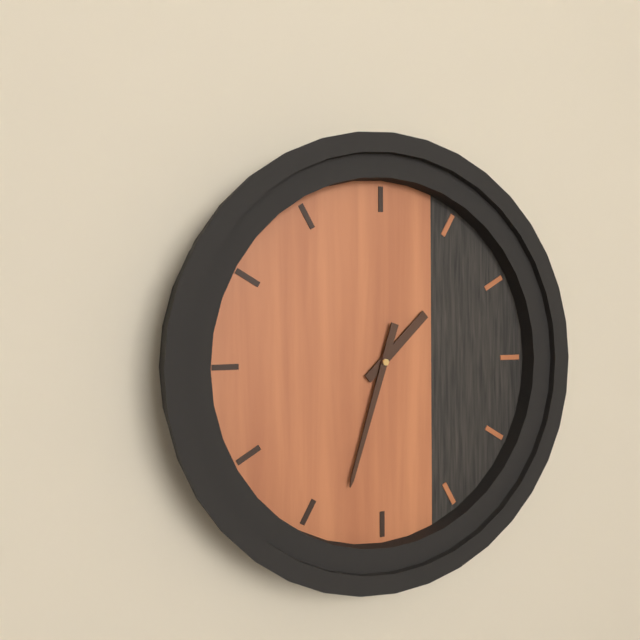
1:33
